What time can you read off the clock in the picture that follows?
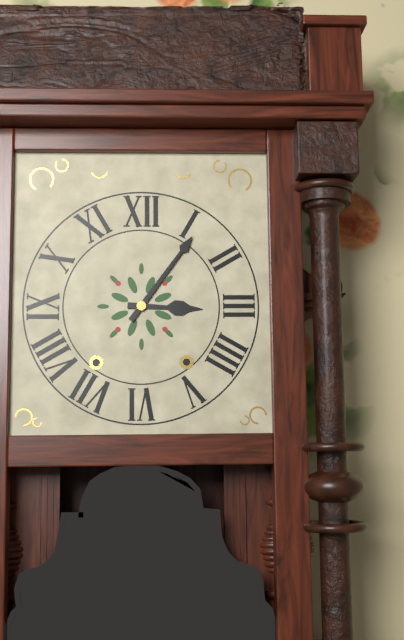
3:06
